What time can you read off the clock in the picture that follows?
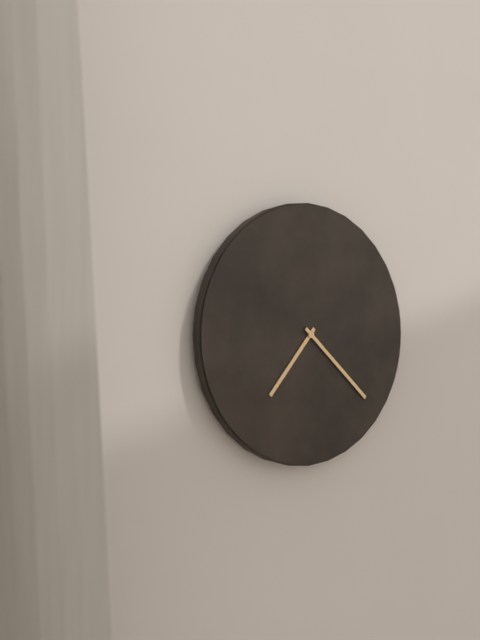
7:22
